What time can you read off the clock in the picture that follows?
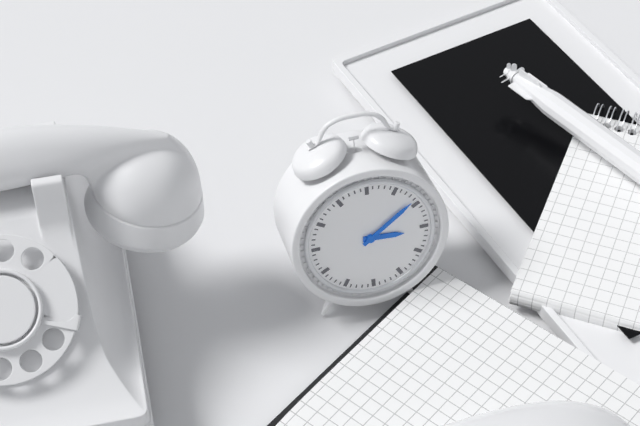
3:09
